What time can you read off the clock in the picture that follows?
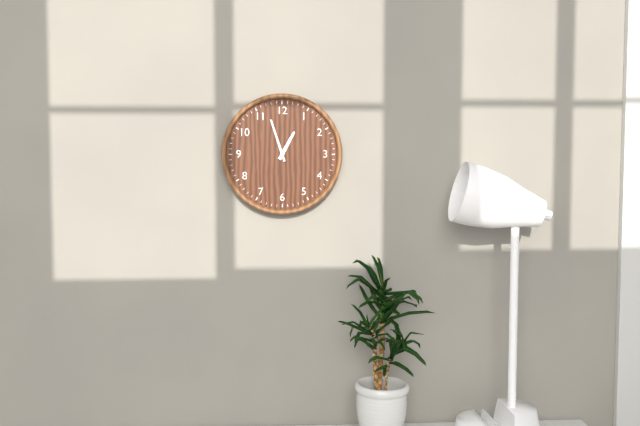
12:57
